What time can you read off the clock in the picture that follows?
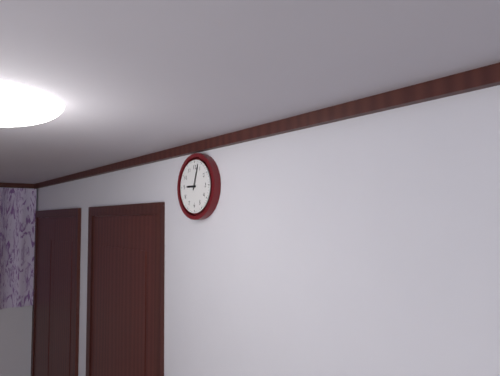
9:03
